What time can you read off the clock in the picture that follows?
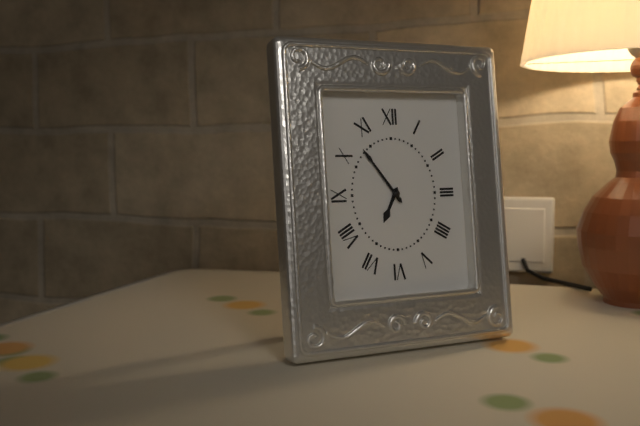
6:54
